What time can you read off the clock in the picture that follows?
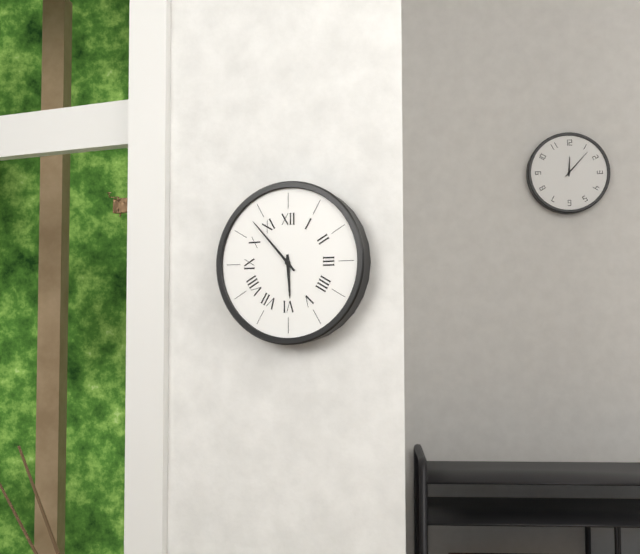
5:53
